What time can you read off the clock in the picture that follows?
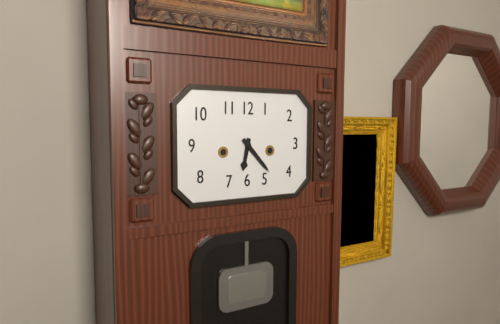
6:23
